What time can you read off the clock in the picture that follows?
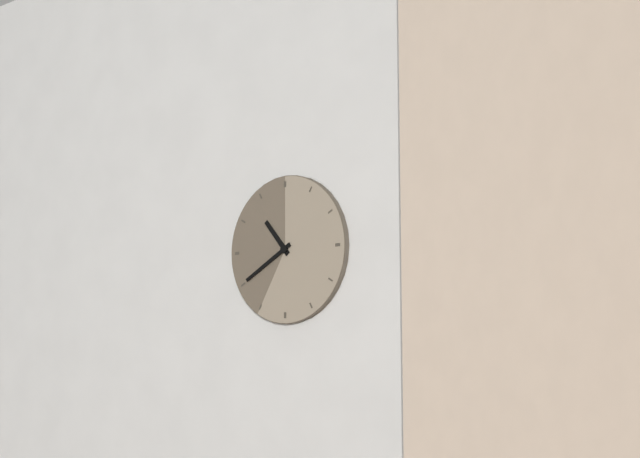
10:40
